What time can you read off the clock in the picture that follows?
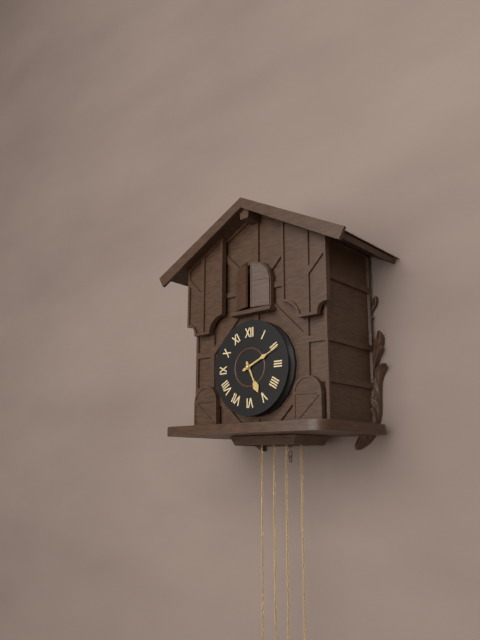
5:11
